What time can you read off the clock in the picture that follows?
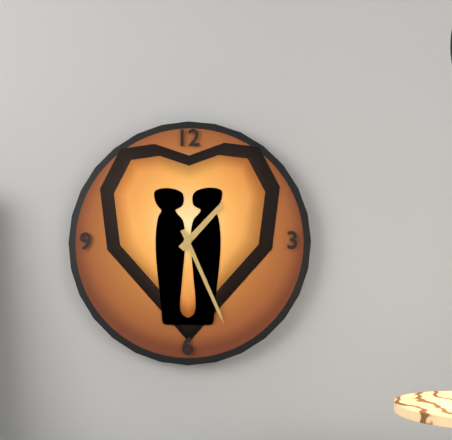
1:26
